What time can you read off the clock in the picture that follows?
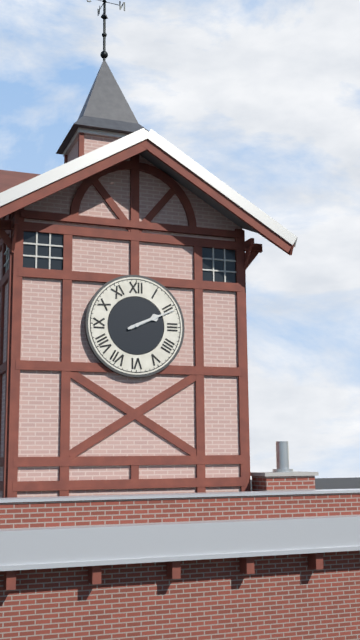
2:11
